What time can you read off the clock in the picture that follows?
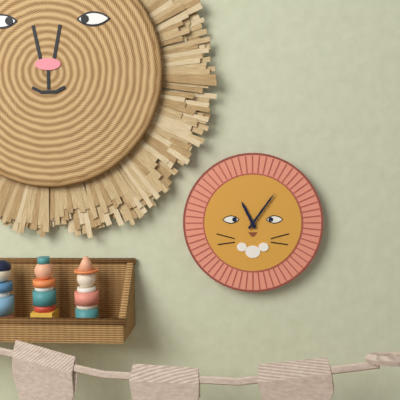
11:06
